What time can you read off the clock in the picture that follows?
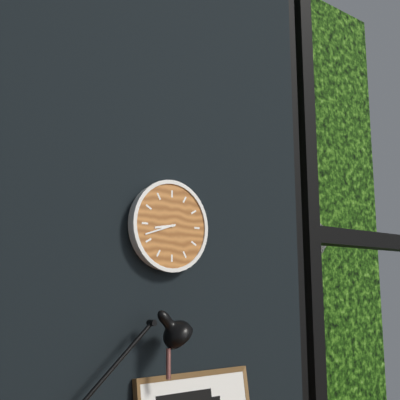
8:42
